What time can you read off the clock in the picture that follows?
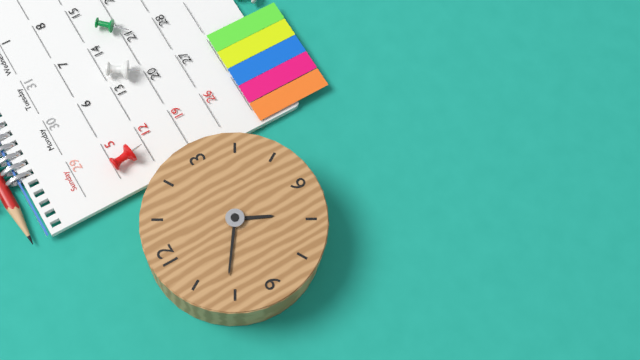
6:51
